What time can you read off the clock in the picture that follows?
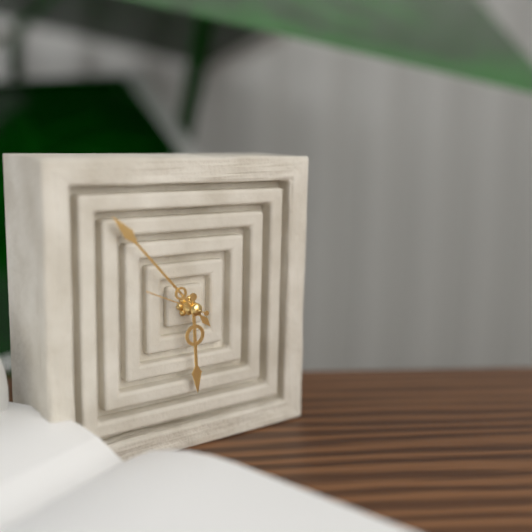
5:53:49
